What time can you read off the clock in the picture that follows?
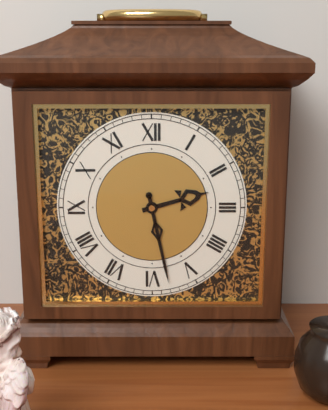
2:28
